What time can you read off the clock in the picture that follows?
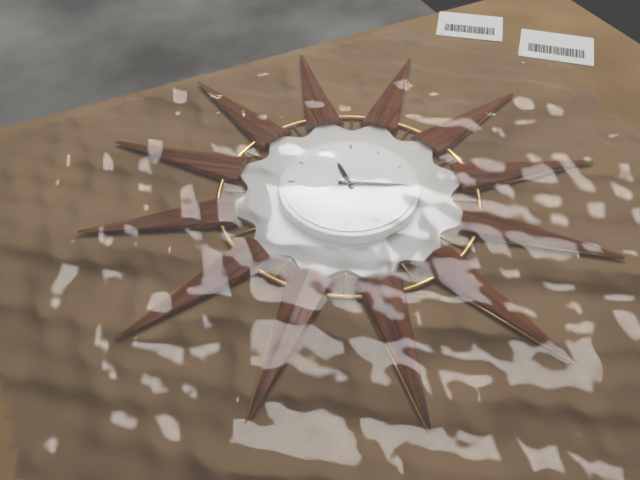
11:15
